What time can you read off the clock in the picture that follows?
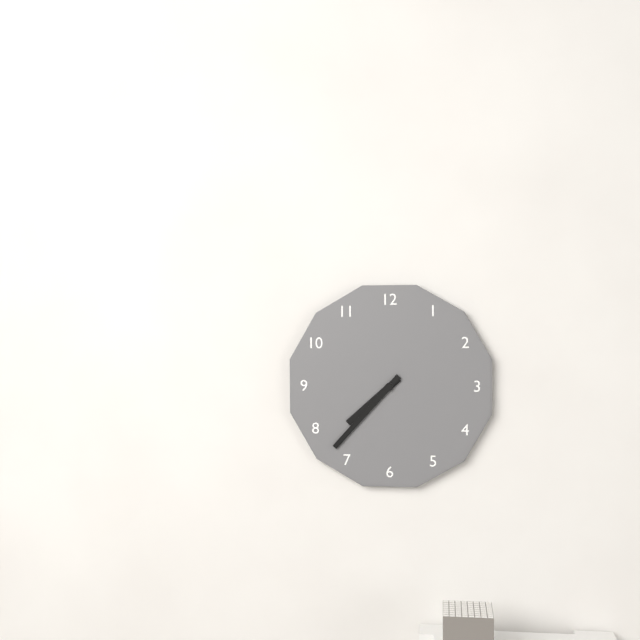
7:37
